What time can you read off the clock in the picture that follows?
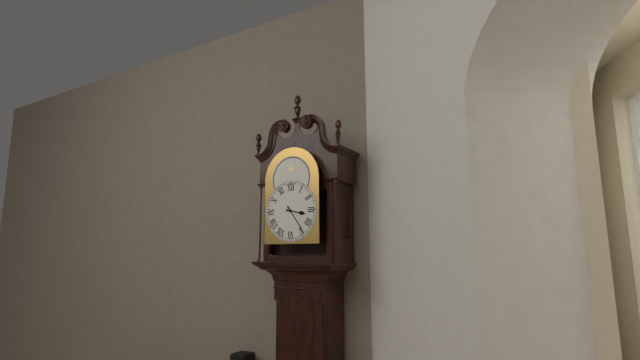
3:24
